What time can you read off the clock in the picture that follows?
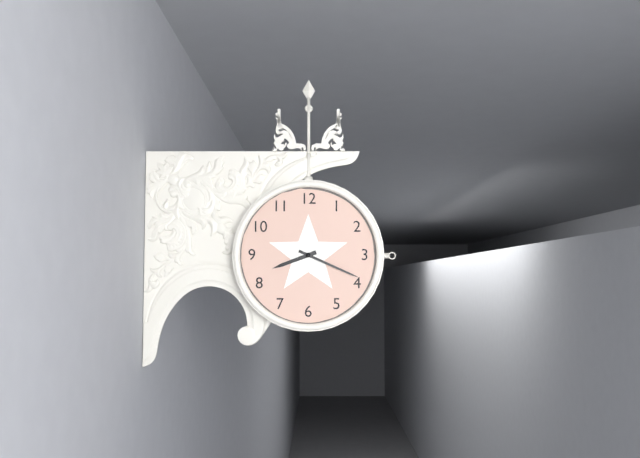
8:19
